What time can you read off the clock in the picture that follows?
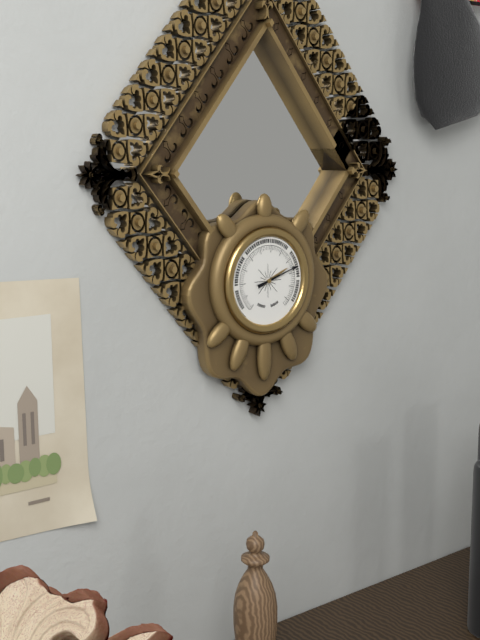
2:12
